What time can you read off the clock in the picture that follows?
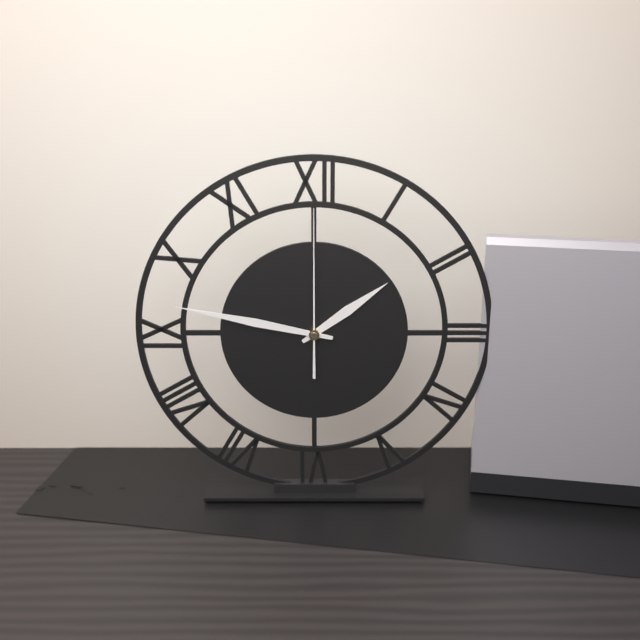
1:47:00
